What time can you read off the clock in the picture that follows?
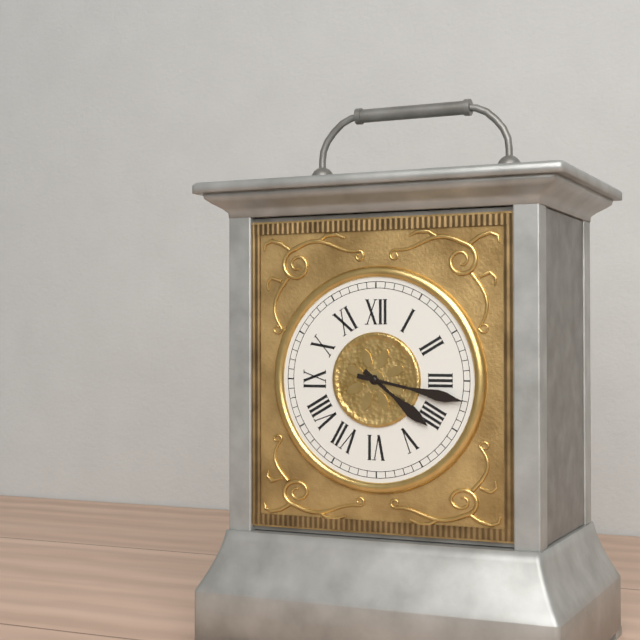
4:17
